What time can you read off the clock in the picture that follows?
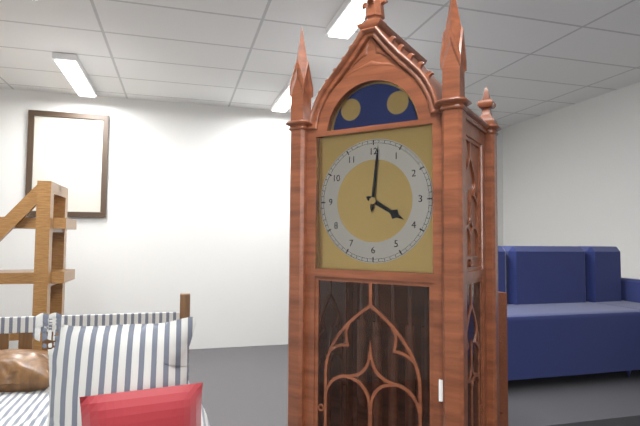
4:01
